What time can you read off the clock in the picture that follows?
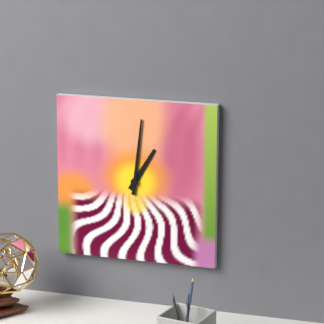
1:01
